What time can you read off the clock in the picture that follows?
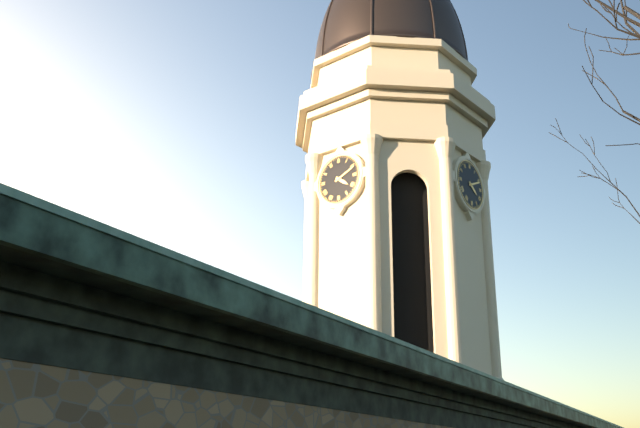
4:11
